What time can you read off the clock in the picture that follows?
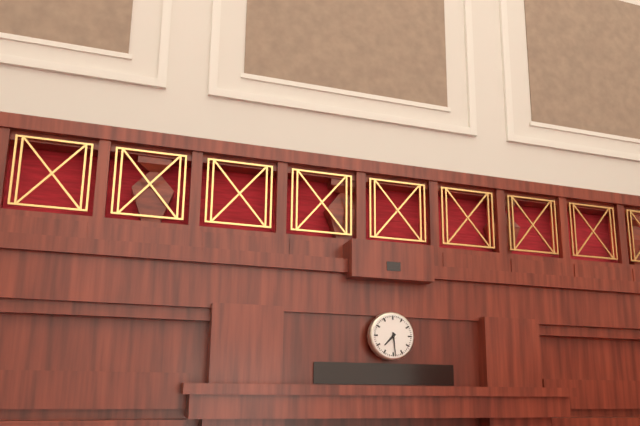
7:29
